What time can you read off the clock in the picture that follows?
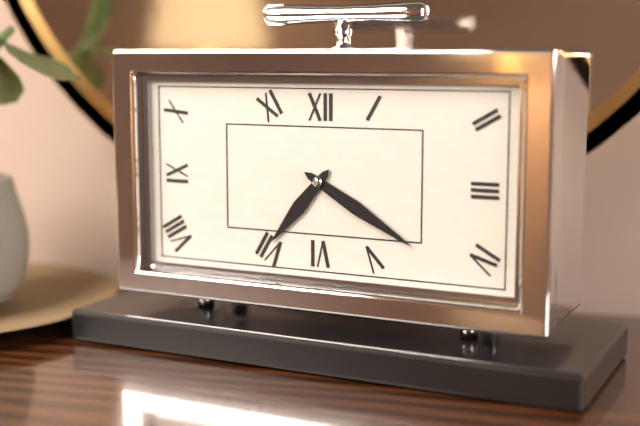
7:20
